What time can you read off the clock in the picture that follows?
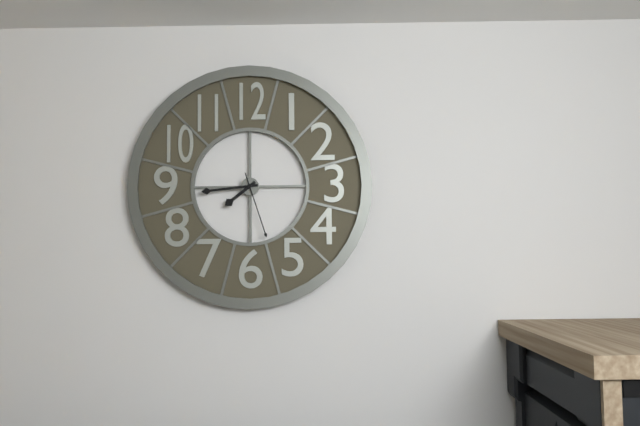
7:44:27
